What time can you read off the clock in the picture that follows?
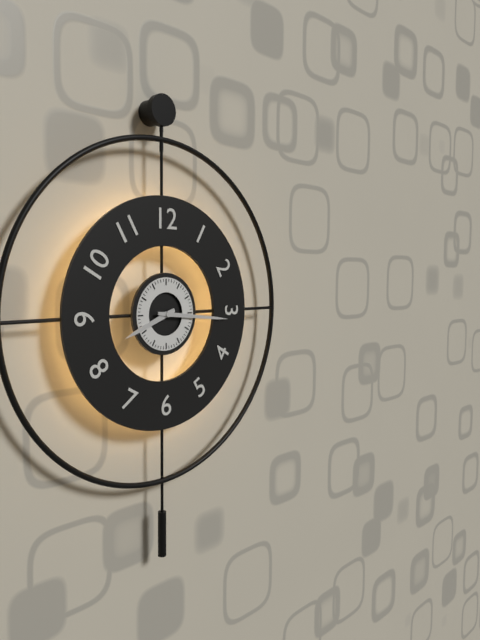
8:16
